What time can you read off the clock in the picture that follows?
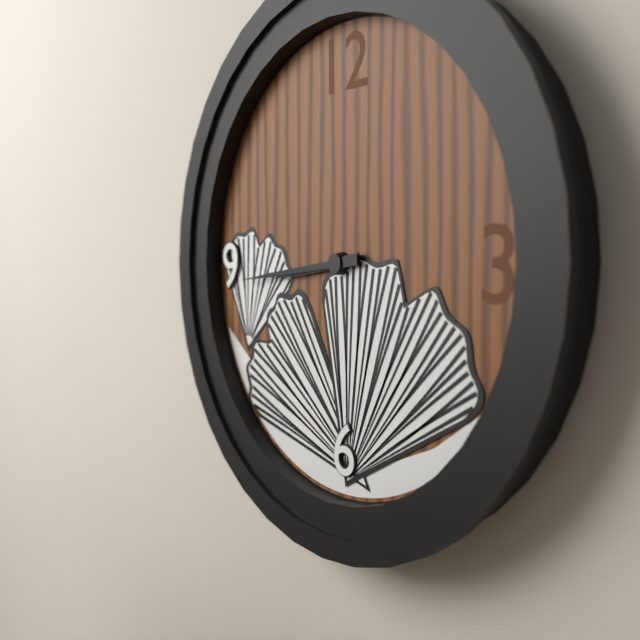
8:44
